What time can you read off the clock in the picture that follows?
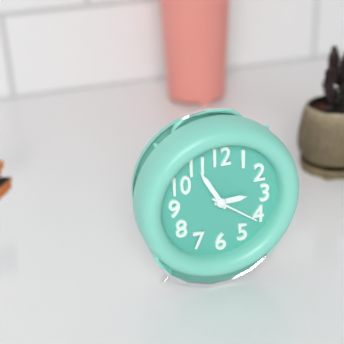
2:55
